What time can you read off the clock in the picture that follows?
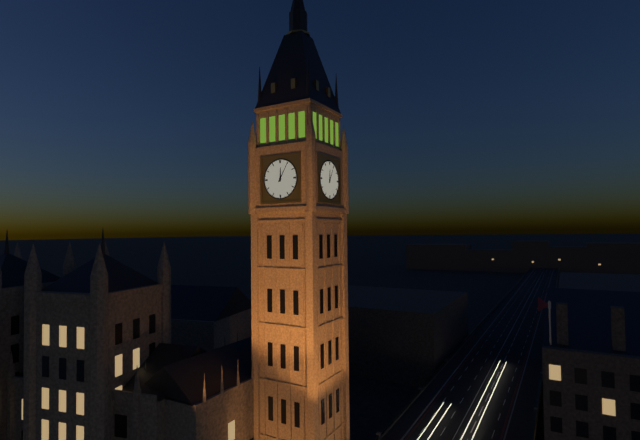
12:05
